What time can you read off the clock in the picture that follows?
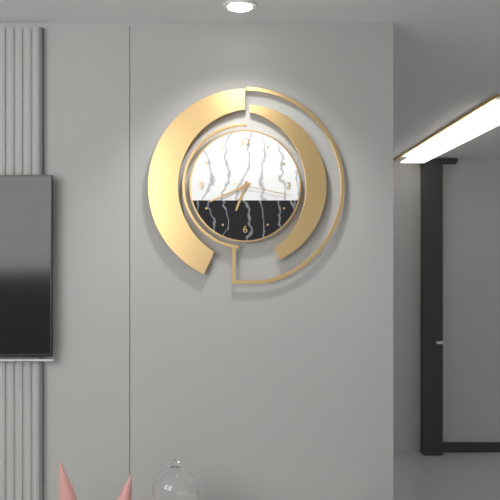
6:41:17
